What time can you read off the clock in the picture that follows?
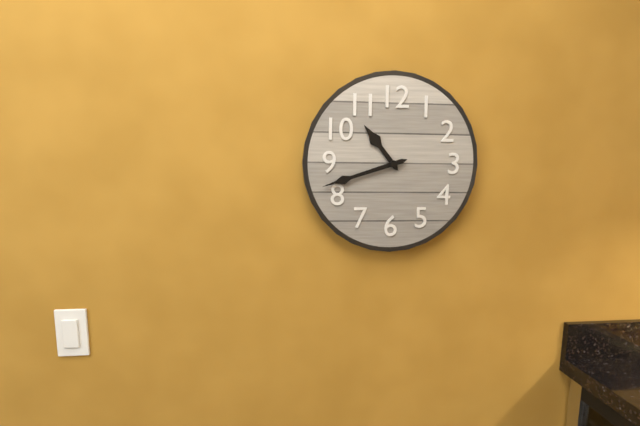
10:42
